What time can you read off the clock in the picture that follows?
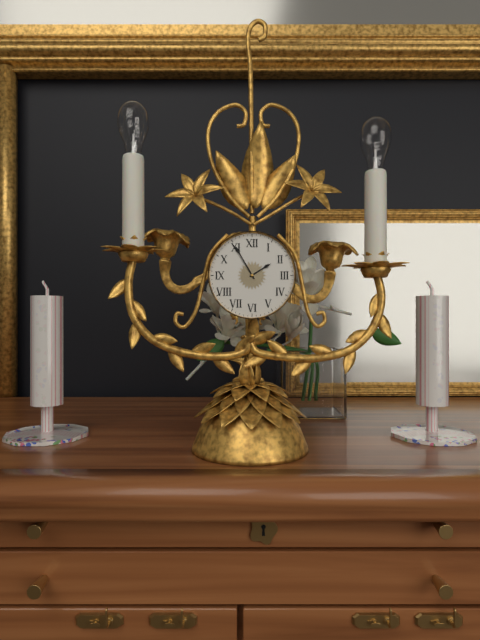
1:55
